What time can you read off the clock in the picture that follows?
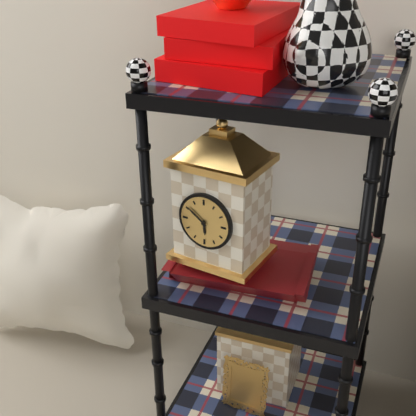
5:51
